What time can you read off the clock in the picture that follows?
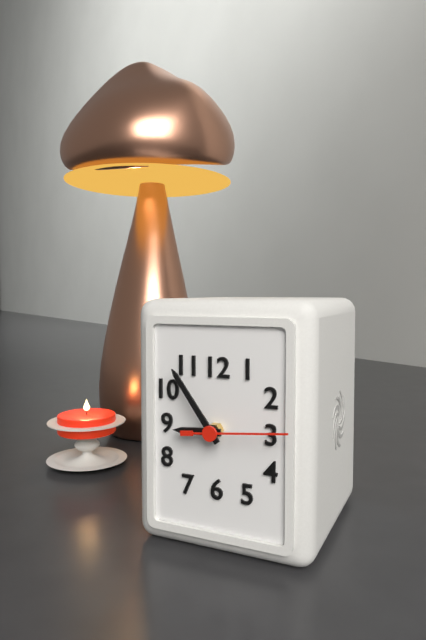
8:54:14
